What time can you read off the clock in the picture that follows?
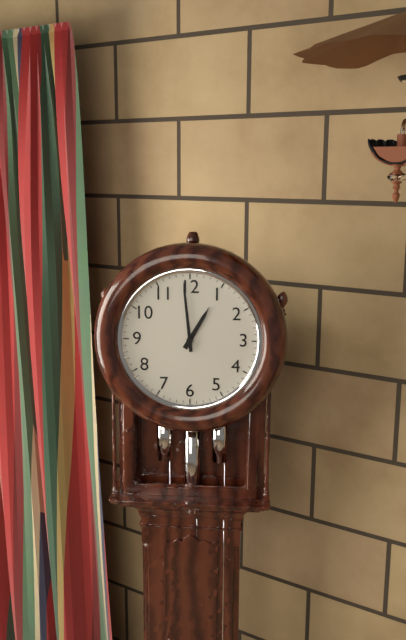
12:59
